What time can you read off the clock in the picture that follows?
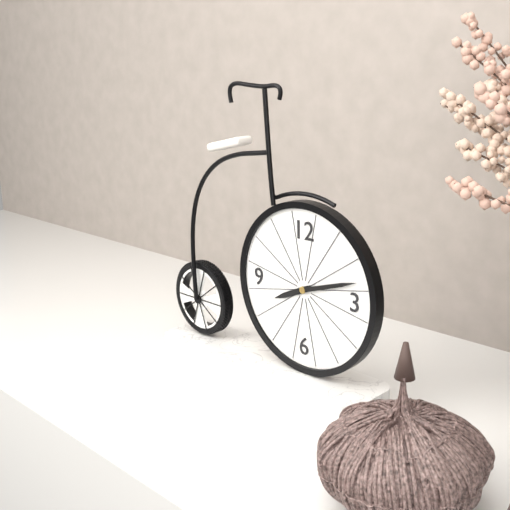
8:12
